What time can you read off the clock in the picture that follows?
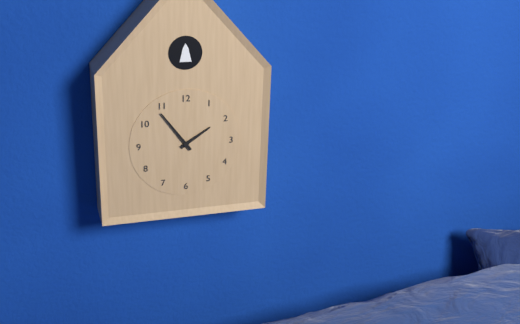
1:54
